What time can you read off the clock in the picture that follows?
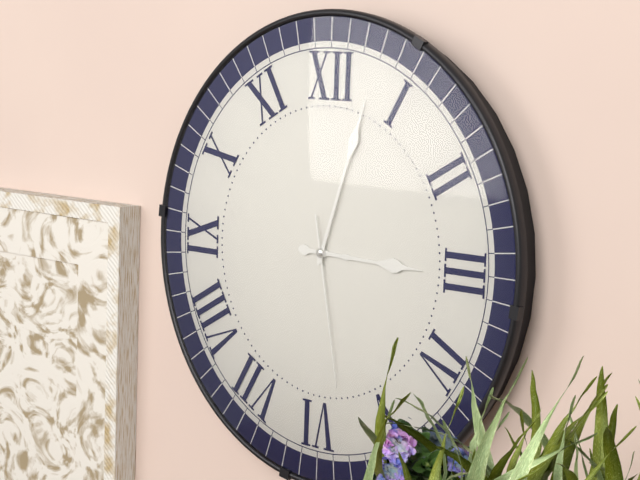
3:03:28
